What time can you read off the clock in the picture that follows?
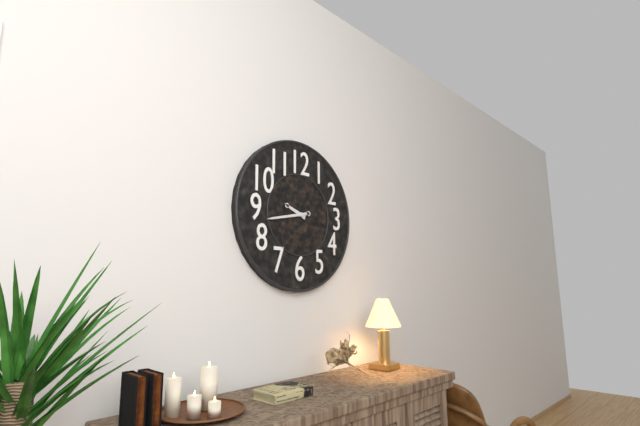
9:43
